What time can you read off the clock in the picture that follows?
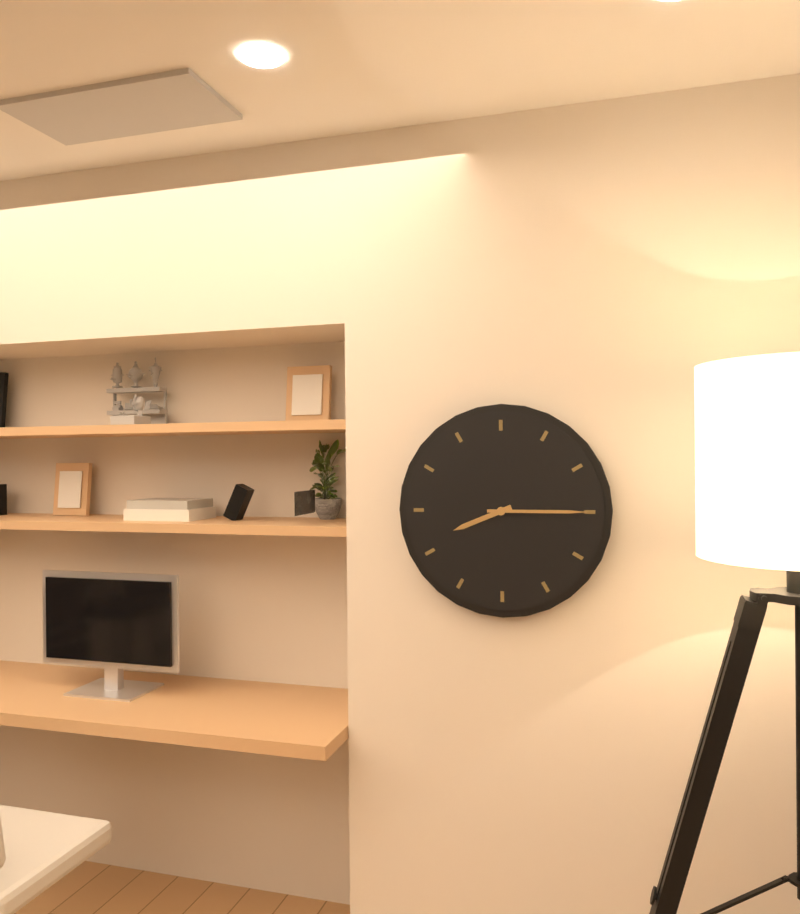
8:15
